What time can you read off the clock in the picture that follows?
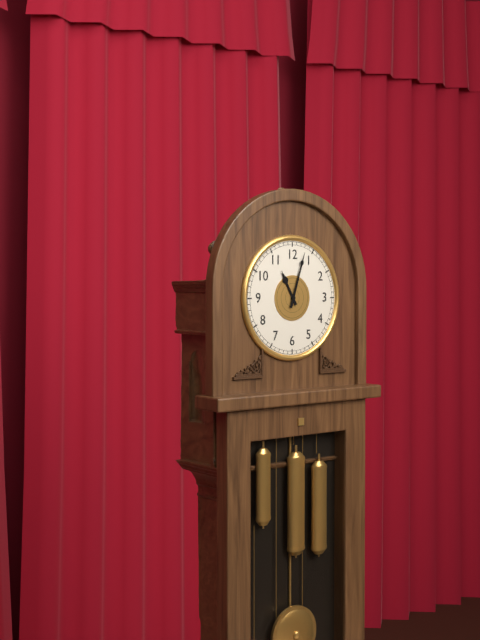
11:03
